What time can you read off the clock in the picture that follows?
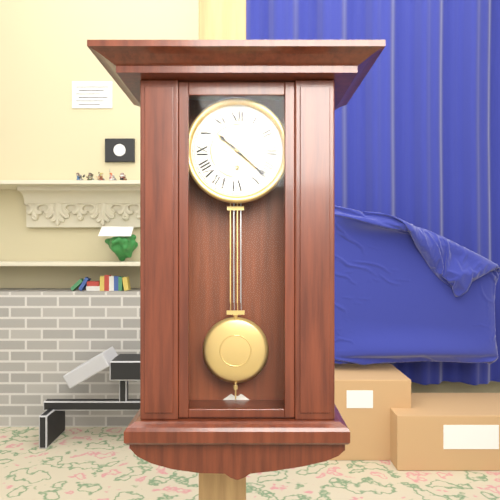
10:22
